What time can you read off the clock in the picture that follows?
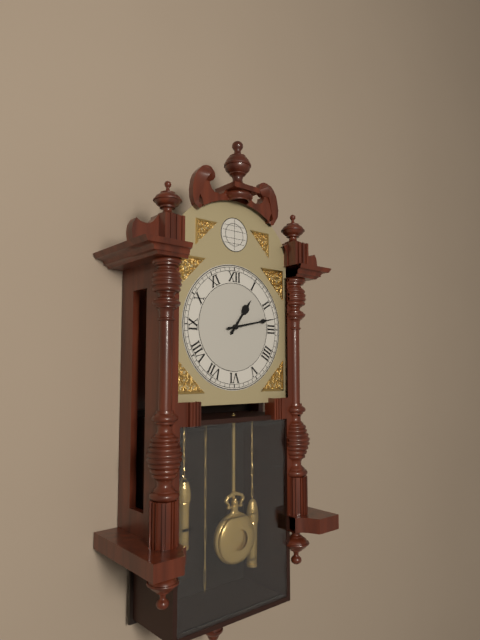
1:13
